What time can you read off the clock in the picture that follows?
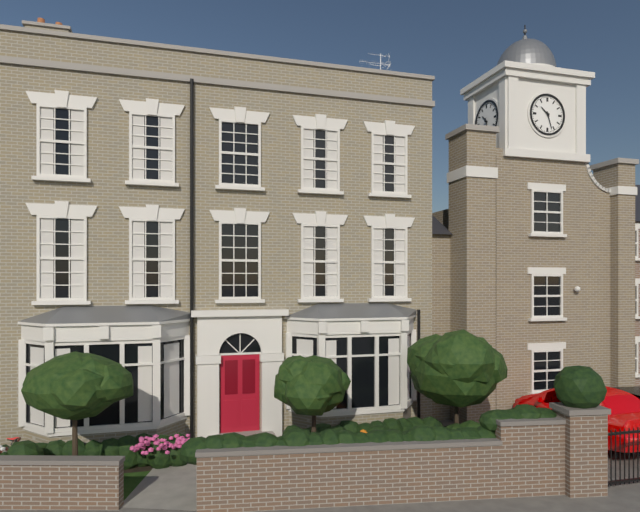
10:27
